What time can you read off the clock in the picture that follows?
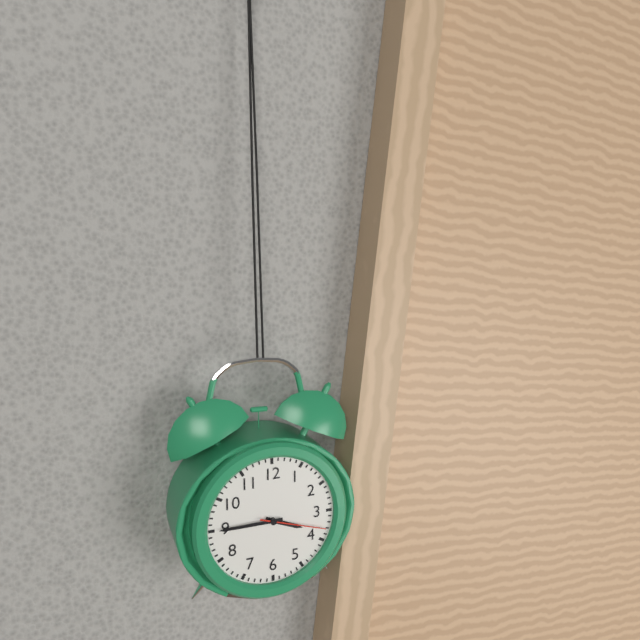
3:45:18
